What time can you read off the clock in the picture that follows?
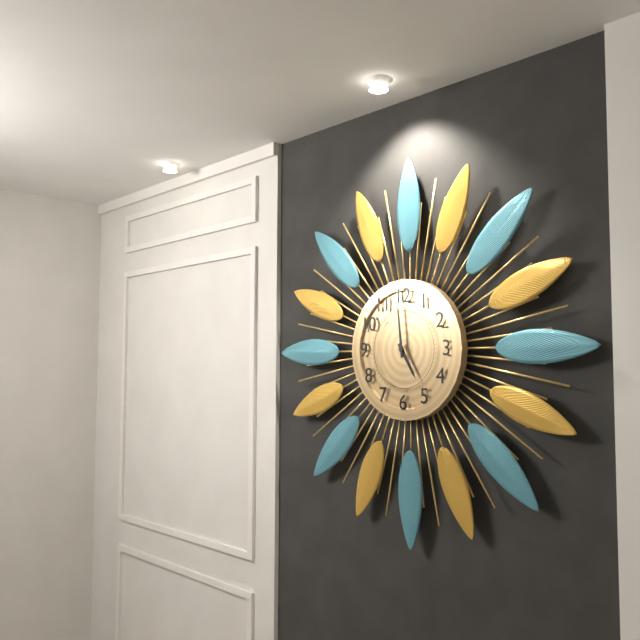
4:59
